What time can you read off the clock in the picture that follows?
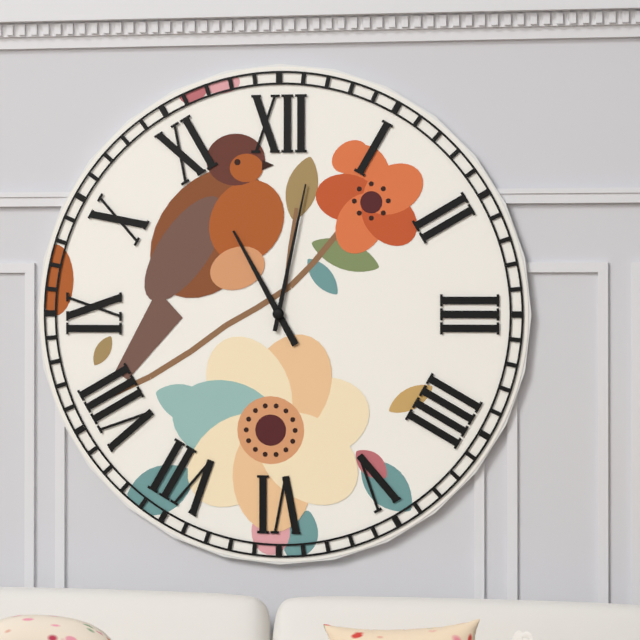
11:02
